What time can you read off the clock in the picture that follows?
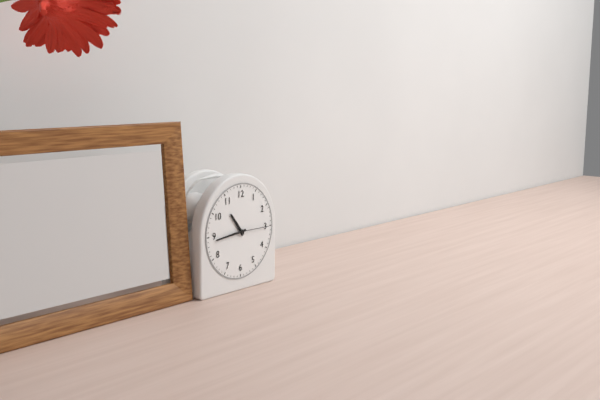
10:44
